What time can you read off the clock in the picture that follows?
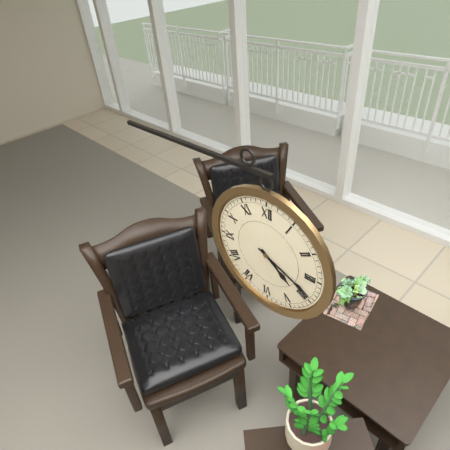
4:19
